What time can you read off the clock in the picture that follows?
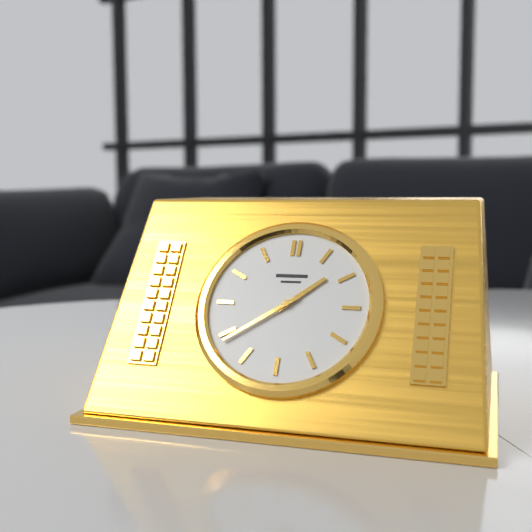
1:39
